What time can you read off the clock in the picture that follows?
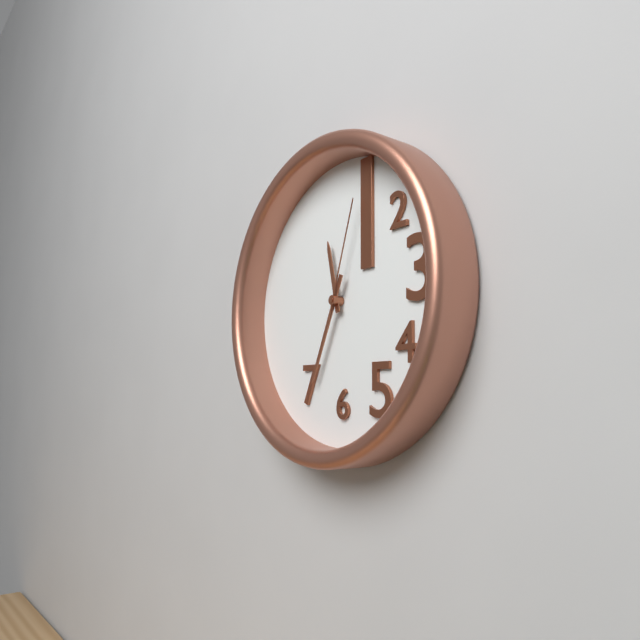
11:34:03
